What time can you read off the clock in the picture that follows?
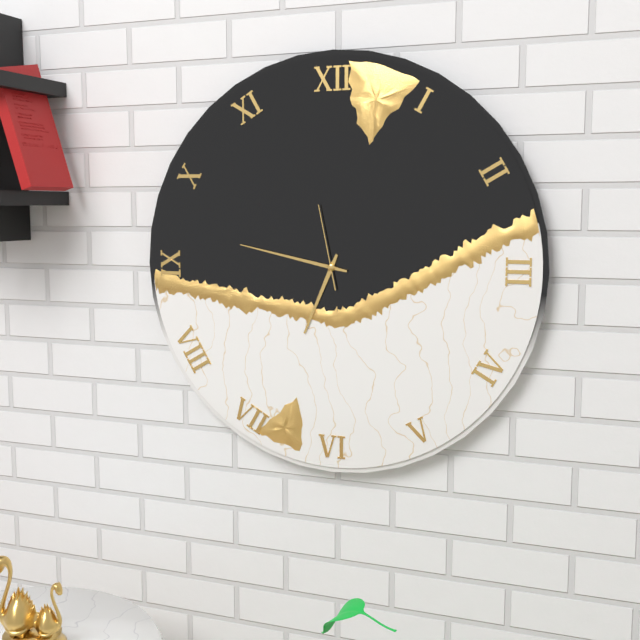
6:47:58
